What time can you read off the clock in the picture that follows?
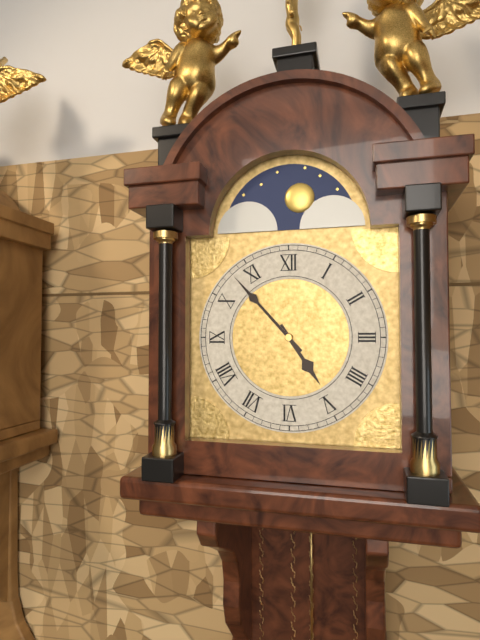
4:53
